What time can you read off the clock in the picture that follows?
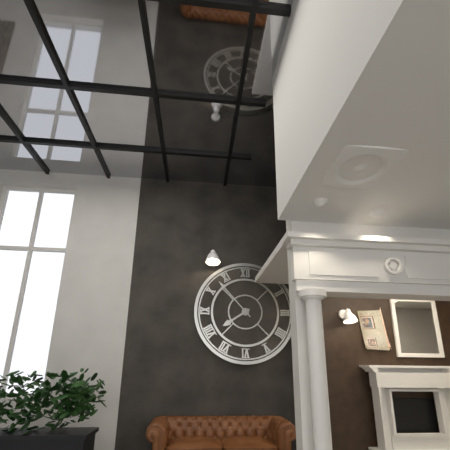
7:53
